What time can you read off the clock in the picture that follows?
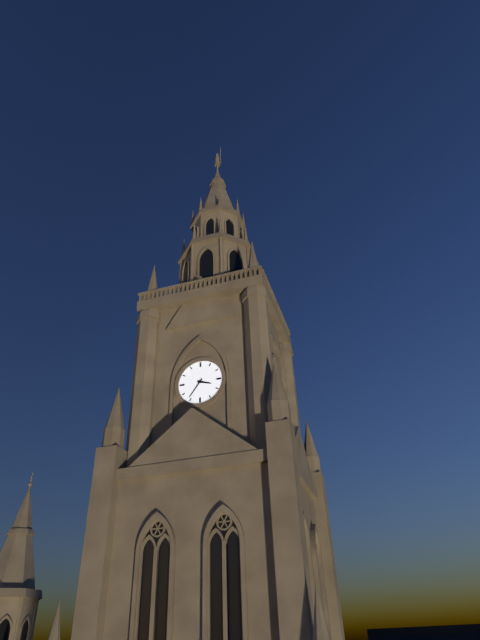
3:36
